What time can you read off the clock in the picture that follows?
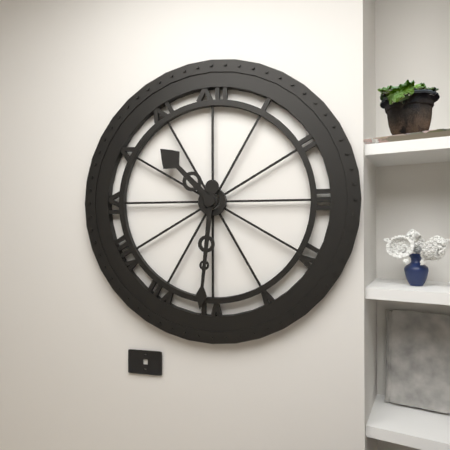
10:31
